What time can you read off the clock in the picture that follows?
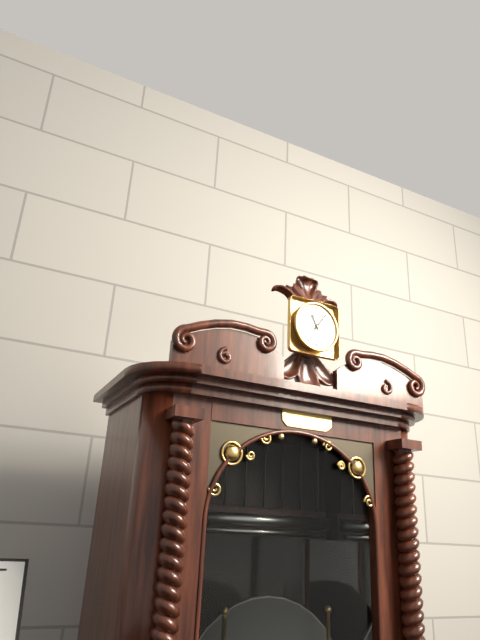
11:06
